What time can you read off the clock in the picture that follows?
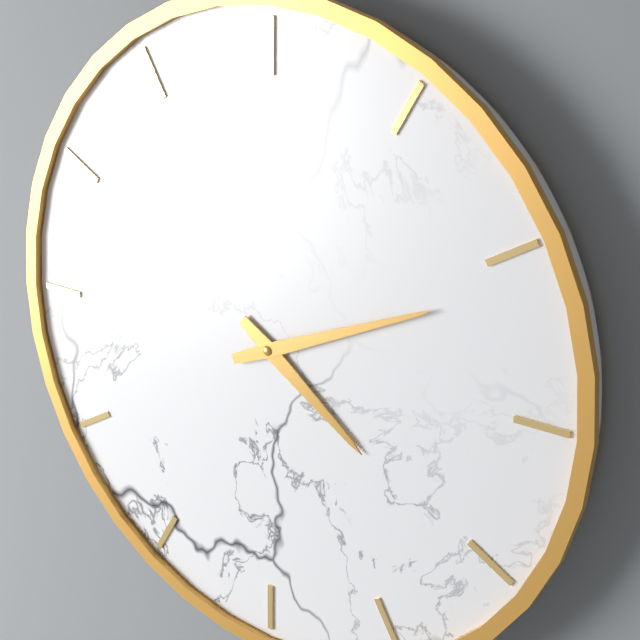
4:11
